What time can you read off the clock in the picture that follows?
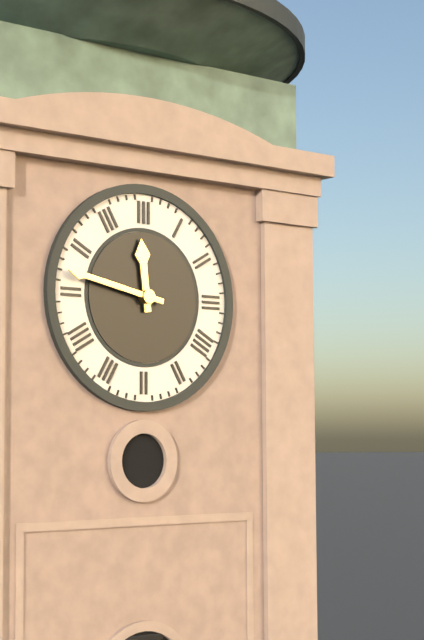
11:47
